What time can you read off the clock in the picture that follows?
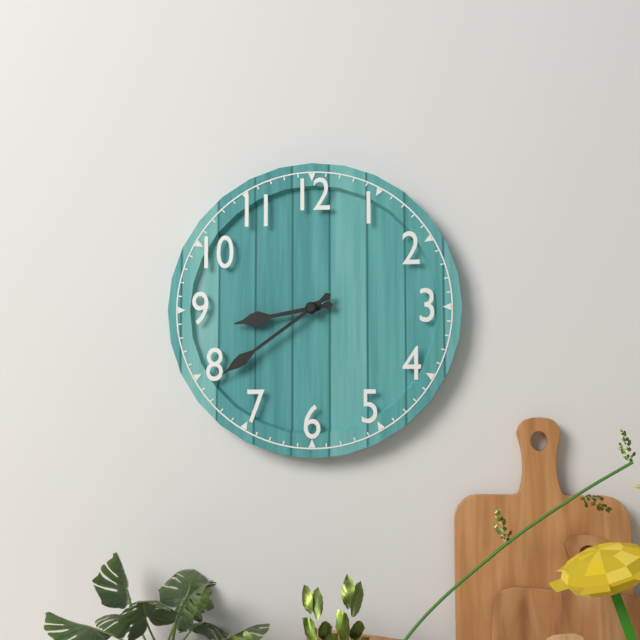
8:39
